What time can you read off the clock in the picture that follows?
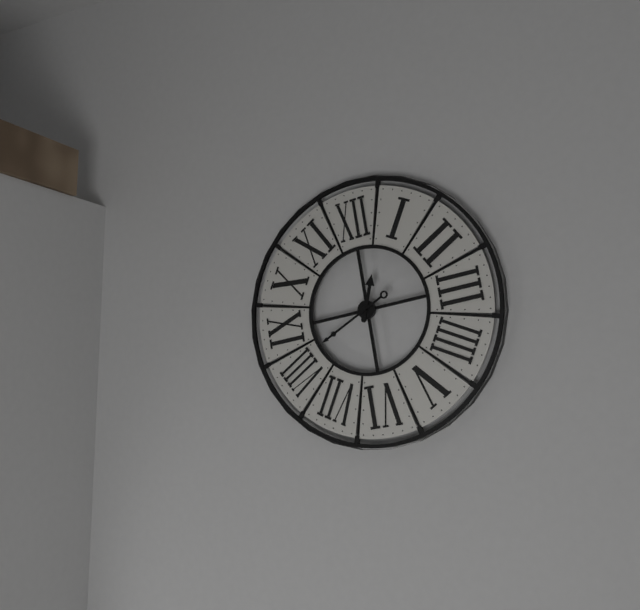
12:41
